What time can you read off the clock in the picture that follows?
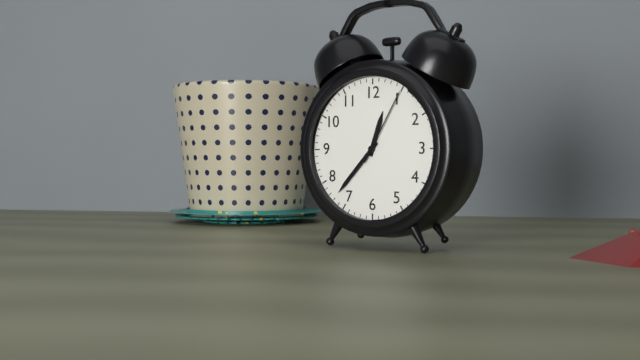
12:37:05
